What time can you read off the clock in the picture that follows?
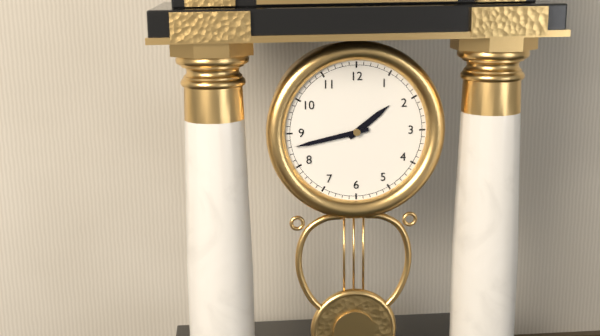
1:43
